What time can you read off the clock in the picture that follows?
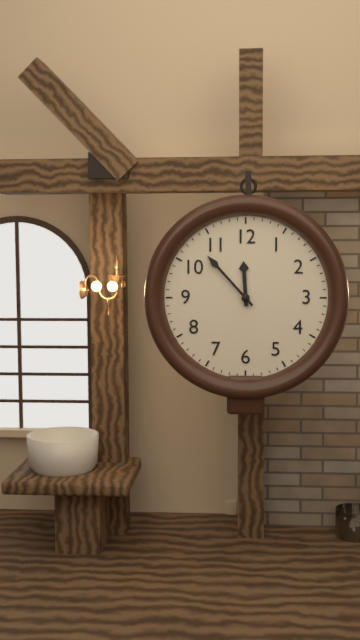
11:53
